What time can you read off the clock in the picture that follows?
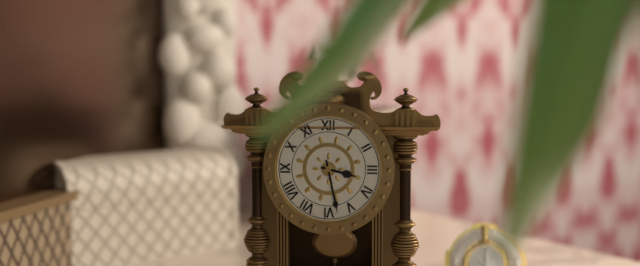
3:28
